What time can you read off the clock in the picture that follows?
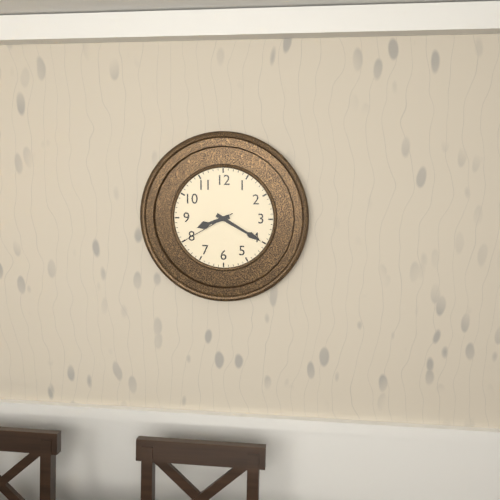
8:20:40
